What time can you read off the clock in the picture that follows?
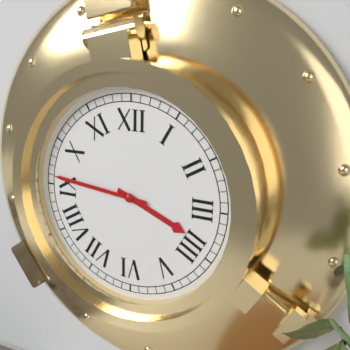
3:46
